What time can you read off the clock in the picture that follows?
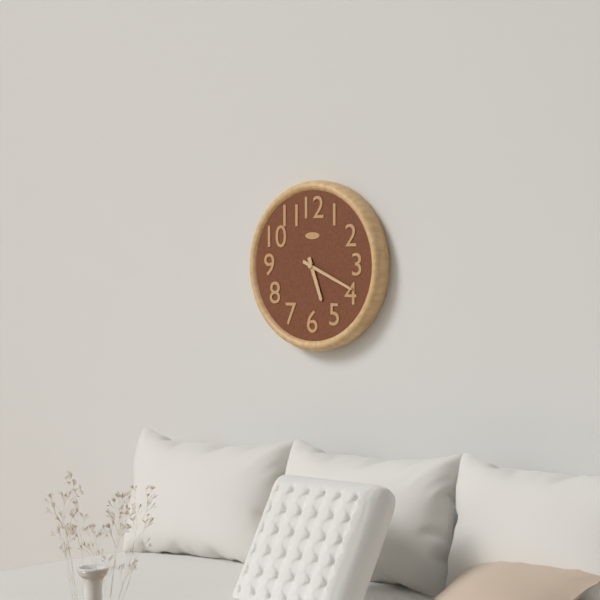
5:19
